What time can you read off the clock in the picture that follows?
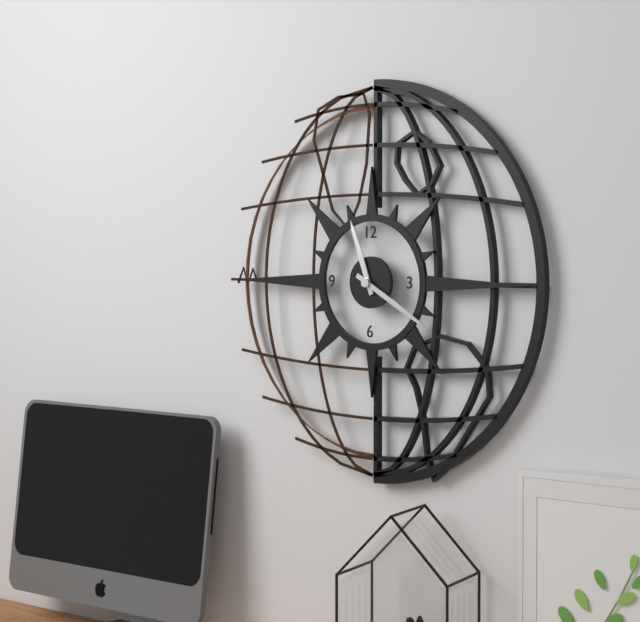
11:20
